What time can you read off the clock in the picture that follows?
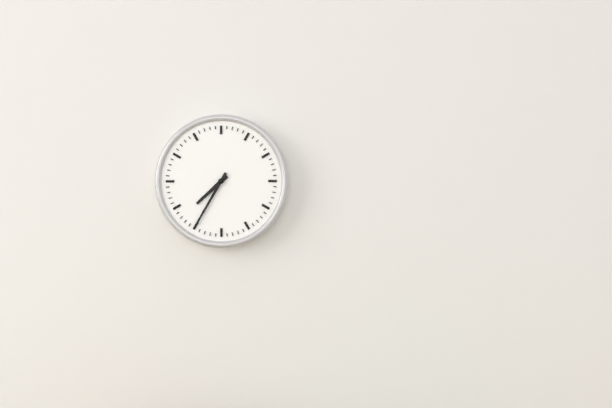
7:35
